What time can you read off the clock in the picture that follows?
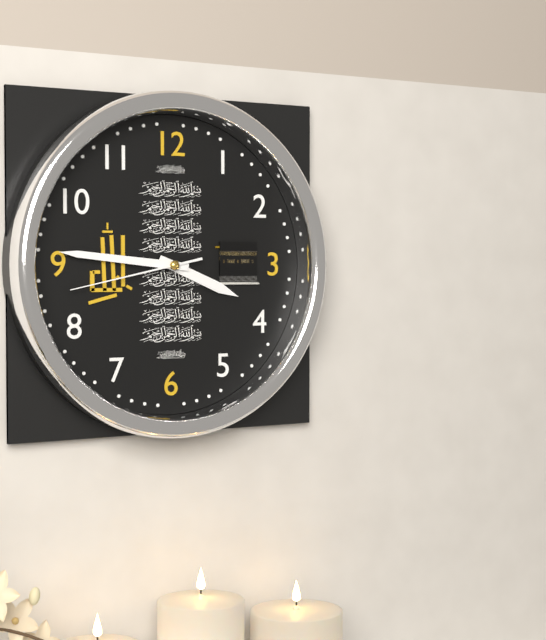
3:46:43
